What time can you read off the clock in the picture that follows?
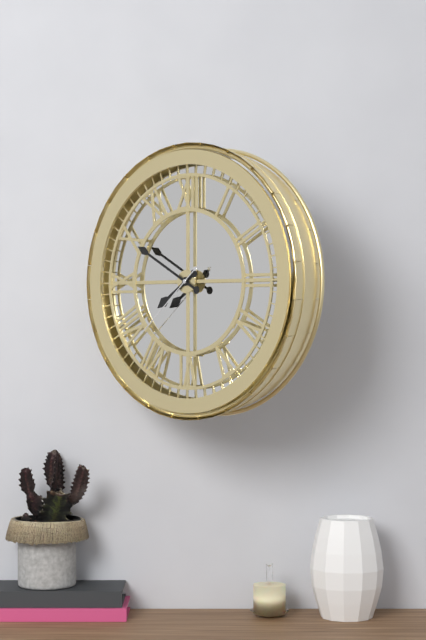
7:50:38
